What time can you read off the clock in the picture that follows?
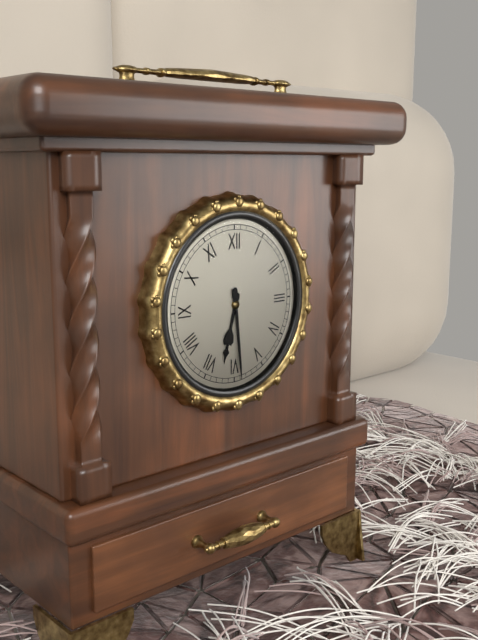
6:29
